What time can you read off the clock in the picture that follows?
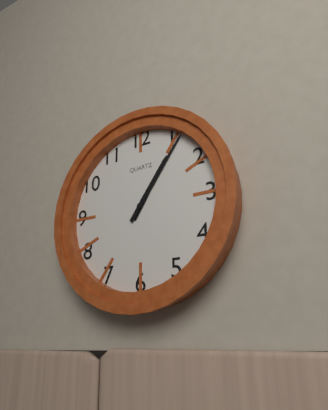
1:06
